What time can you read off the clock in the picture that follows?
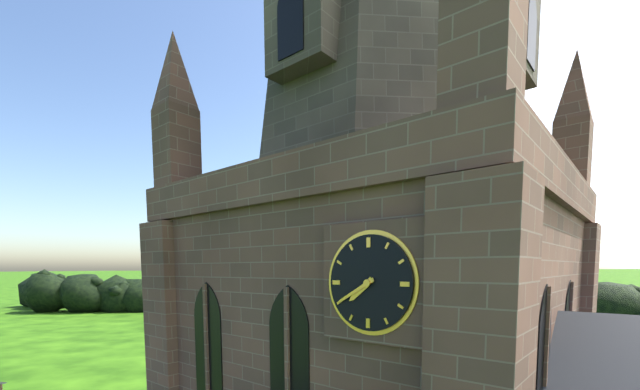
7:40
